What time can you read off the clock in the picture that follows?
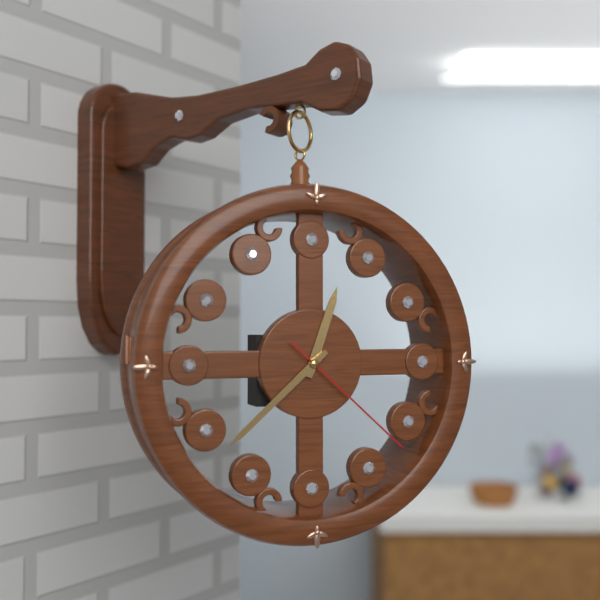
12:38:22
